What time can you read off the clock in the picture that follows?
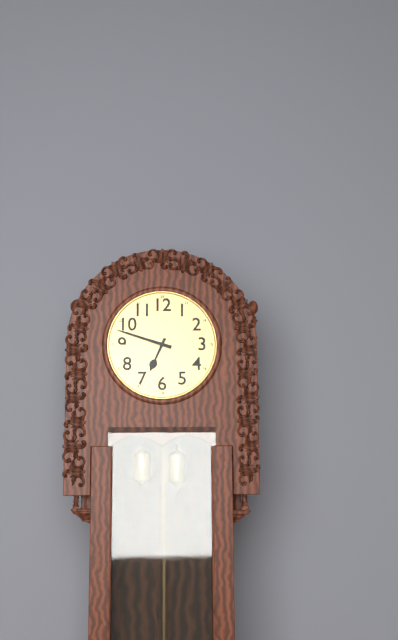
6:48
